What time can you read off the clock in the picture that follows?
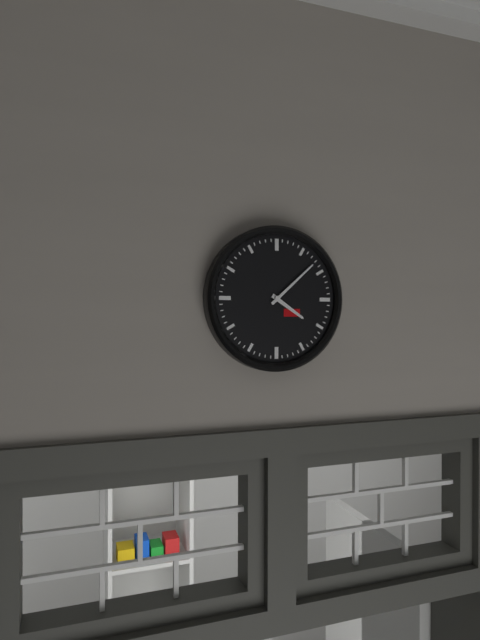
4:08
